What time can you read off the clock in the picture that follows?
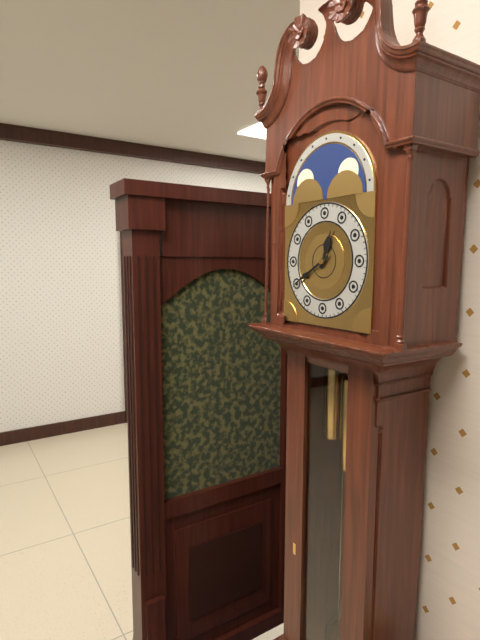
12:40
